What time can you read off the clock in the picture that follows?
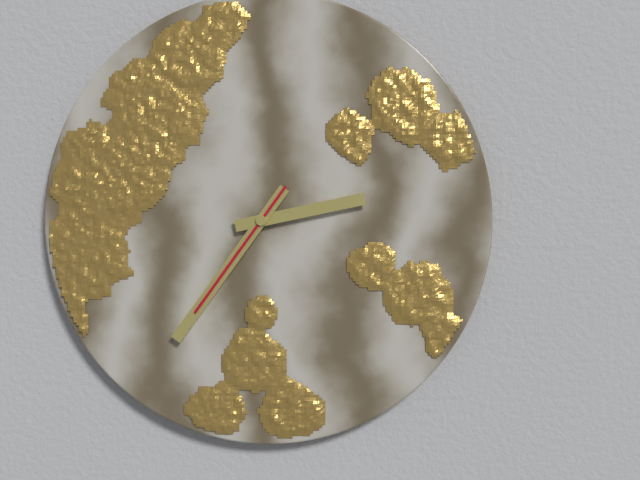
2:36:36
